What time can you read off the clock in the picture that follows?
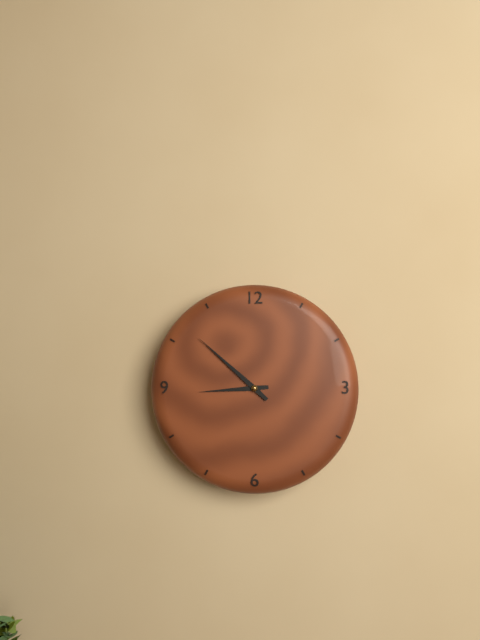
8:52
